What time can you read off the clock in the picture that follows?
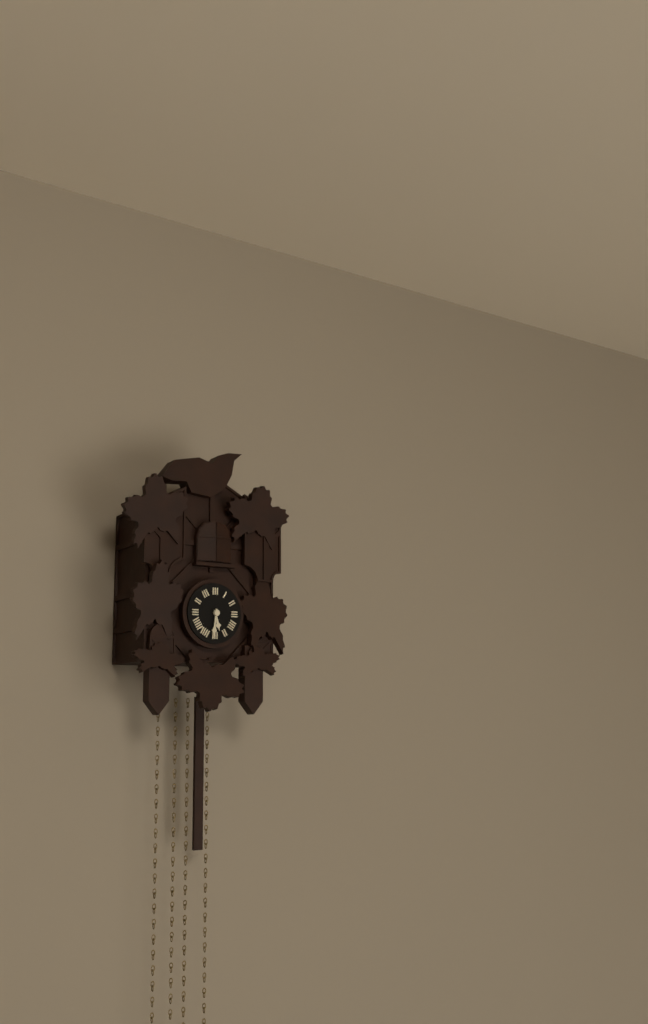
5:31
